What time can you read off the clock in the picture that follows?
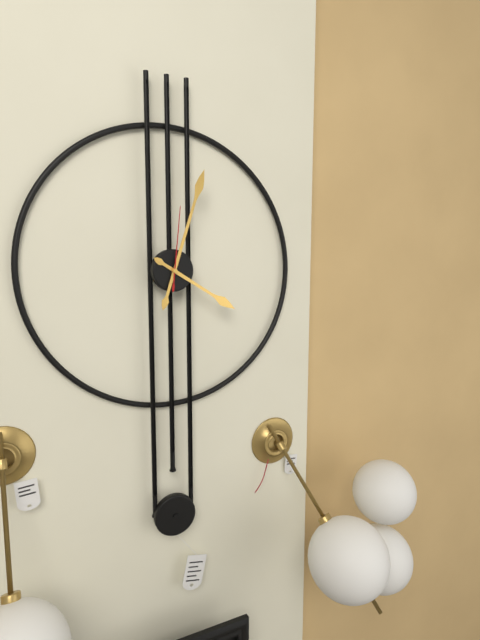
4:03:01
